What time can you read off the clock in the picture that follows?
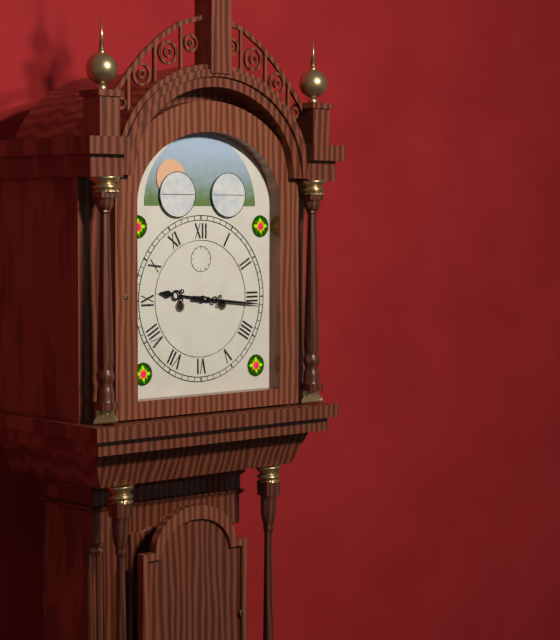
9:16
